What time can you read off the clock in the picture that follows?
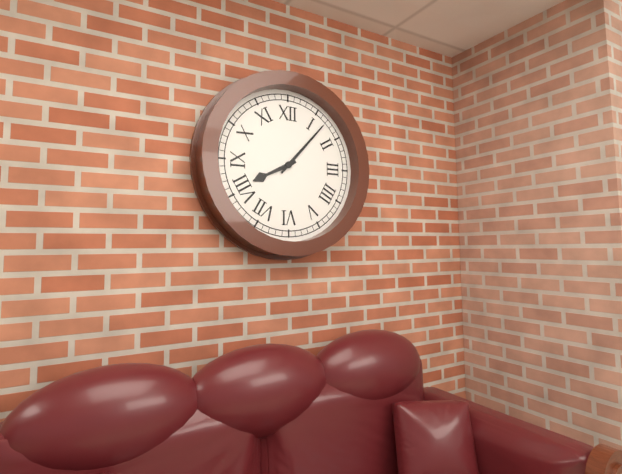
8:07
